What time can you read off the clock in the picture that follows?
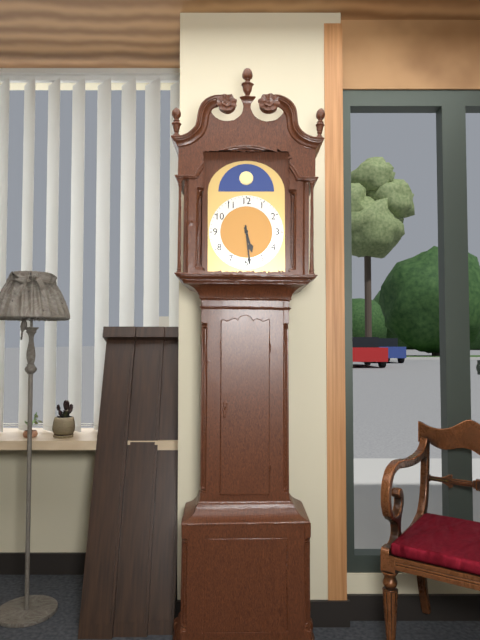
5:29
